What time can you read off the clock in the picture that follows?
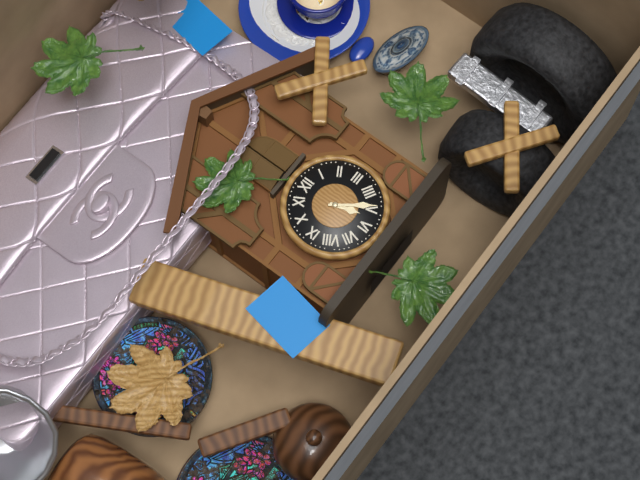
5:24
